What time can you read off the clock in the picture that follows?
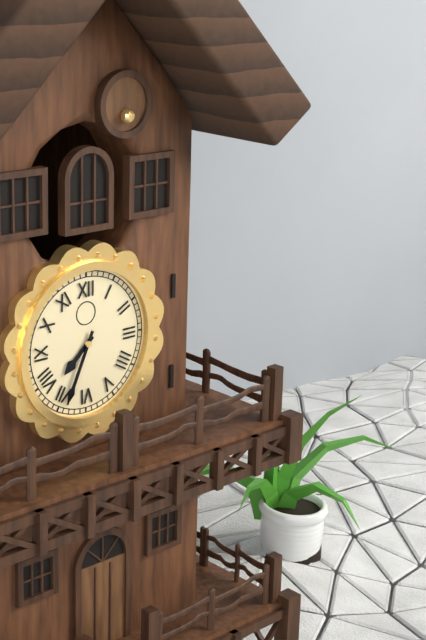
7:34
